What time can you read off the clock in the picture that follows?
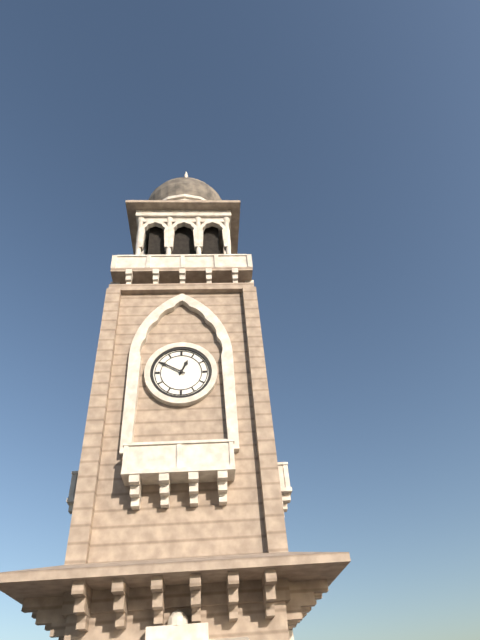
12:50
